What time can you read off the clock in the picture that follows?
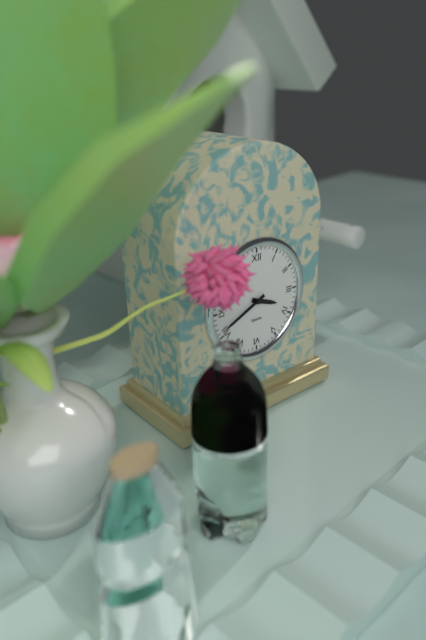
3:41
